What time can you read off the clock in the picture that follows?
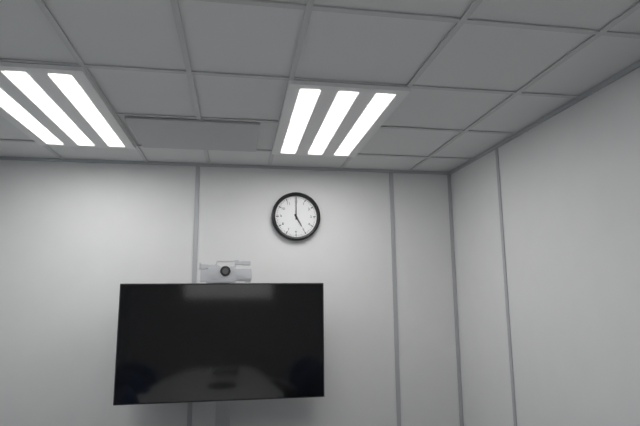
5:00
